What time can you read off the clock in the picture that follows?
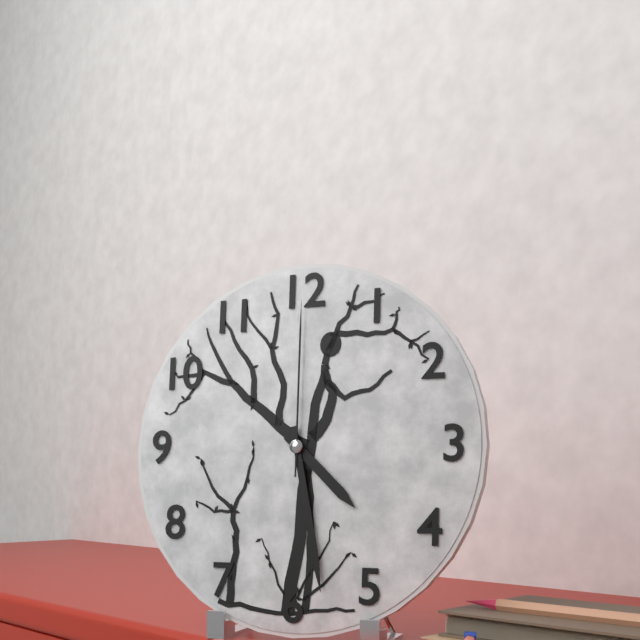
4:28:00
